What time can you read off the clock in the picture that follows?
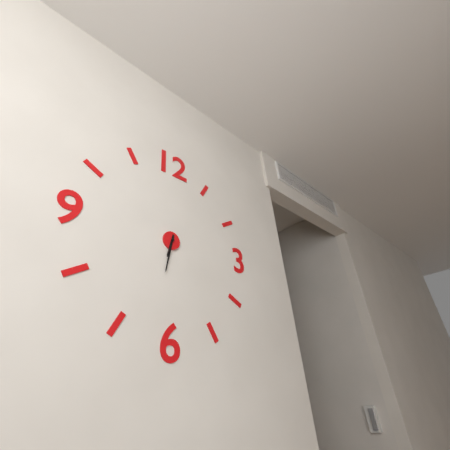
6:32
